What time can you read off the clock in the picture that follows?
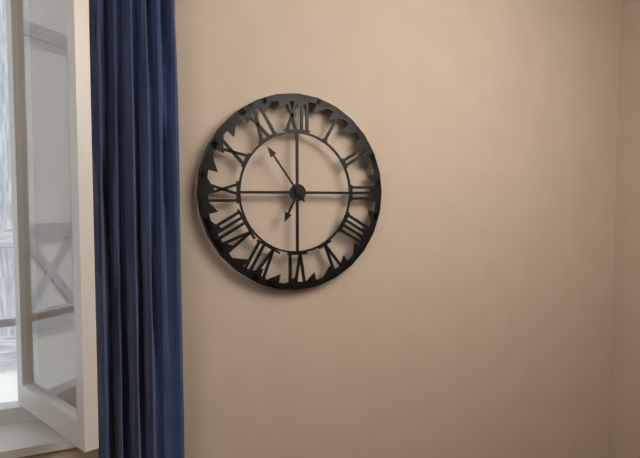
6:54
